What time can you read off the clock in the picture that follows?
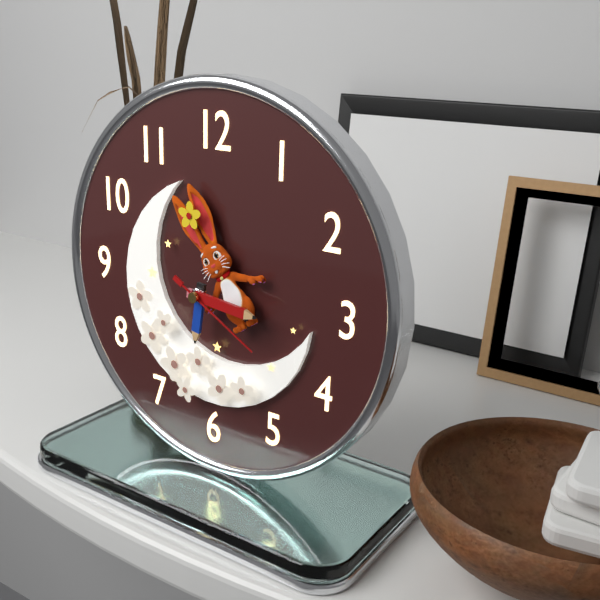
6:16:20
